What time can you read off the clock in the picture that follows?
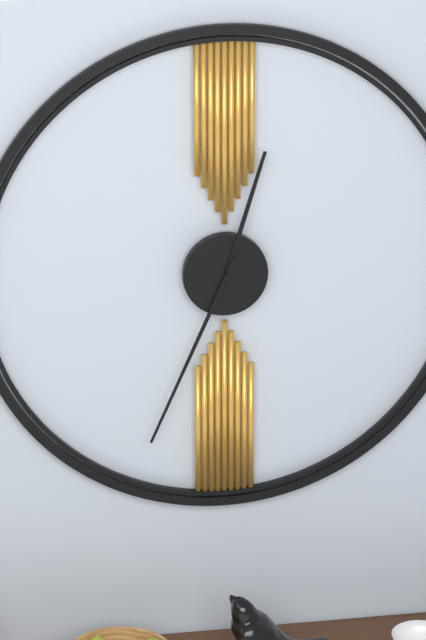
12:34
